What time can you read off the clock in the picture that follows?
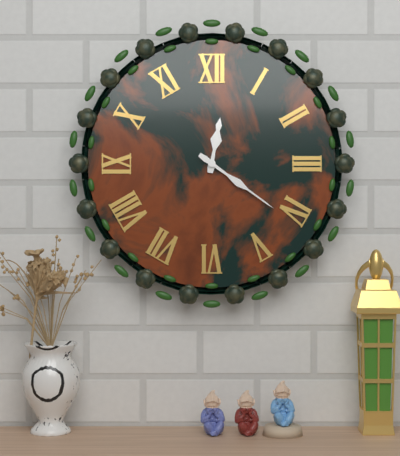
12:21
